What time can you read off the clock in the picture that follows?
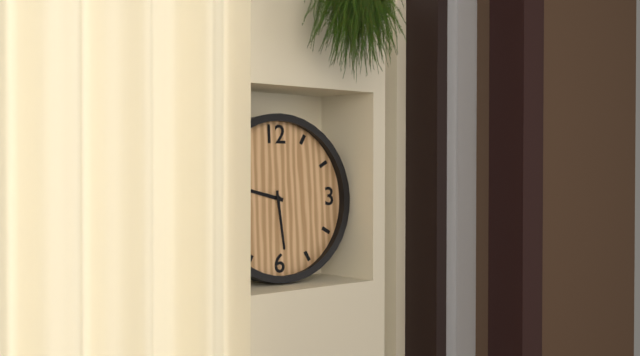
9:29
